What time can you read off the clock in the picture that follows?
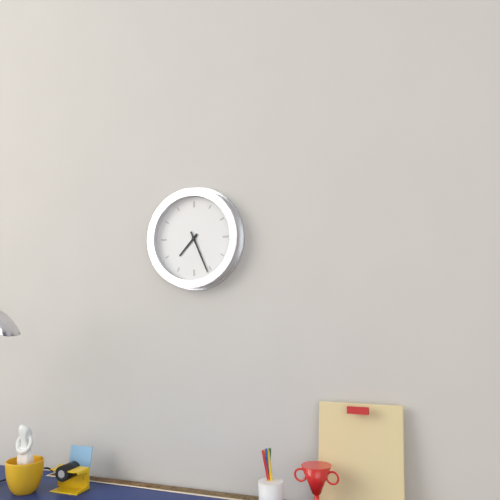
7:26
